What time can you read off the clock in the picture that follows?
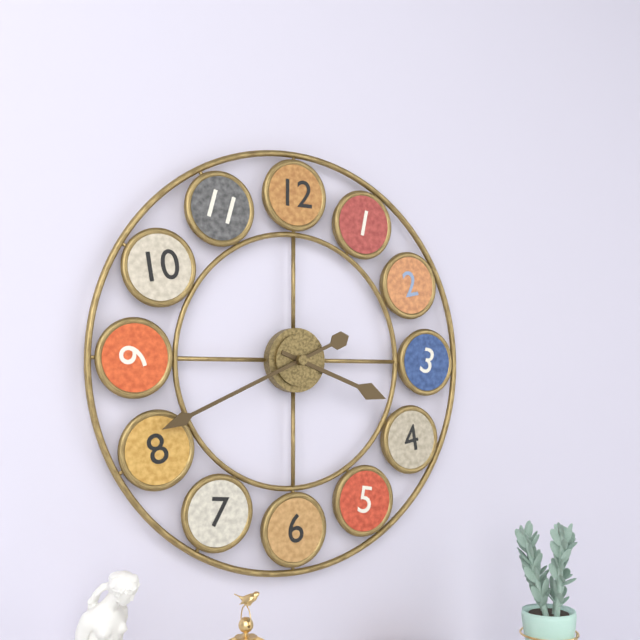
3:41
